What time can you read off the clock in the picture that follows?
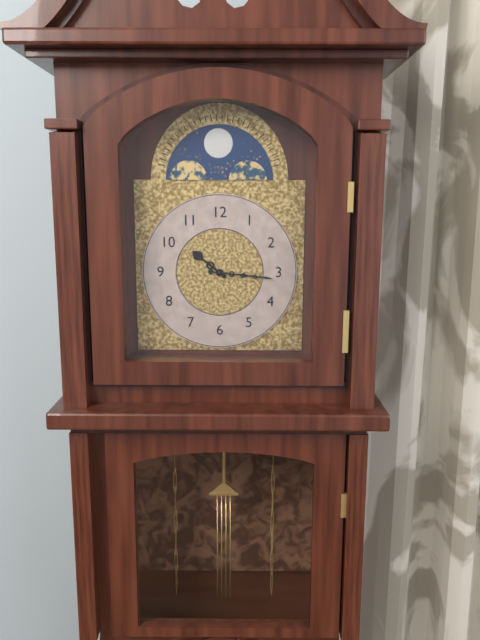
10:16
